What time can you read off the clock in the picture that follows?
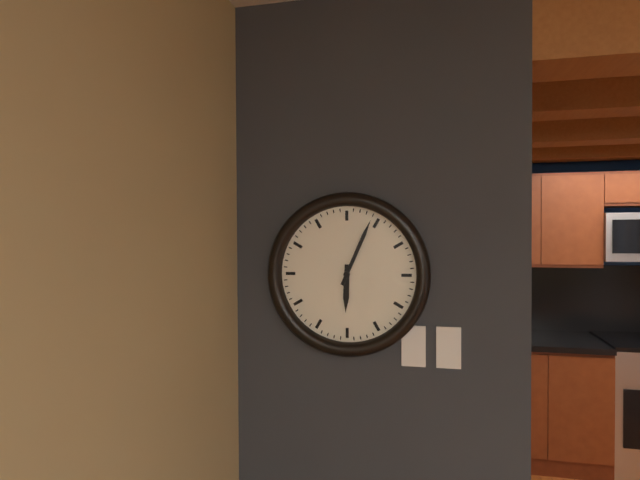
6:04
